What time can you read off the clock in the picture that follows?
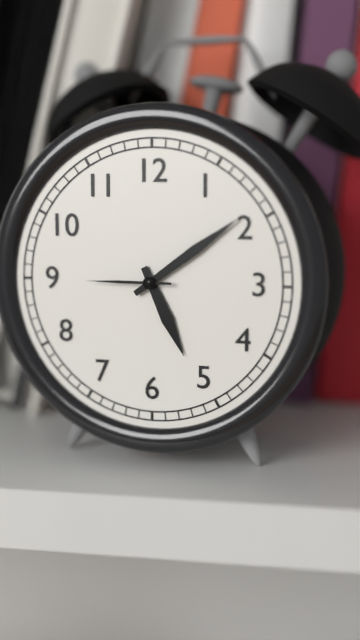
5:09:45
